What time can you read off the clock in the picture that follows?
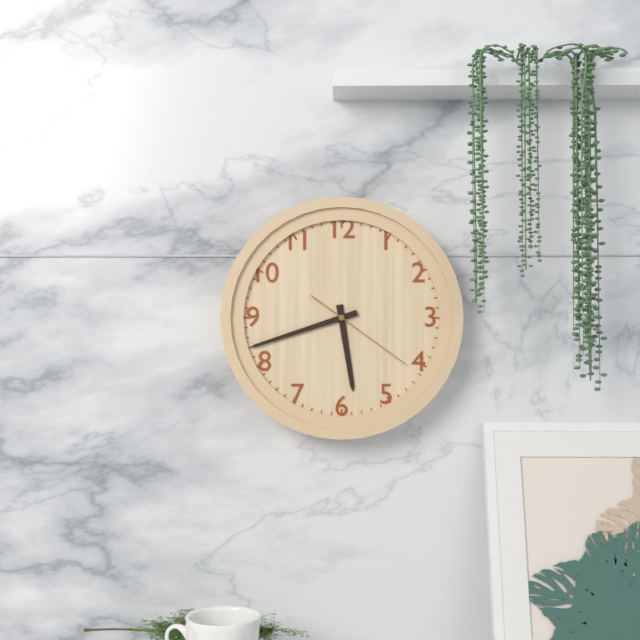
5:42:21
